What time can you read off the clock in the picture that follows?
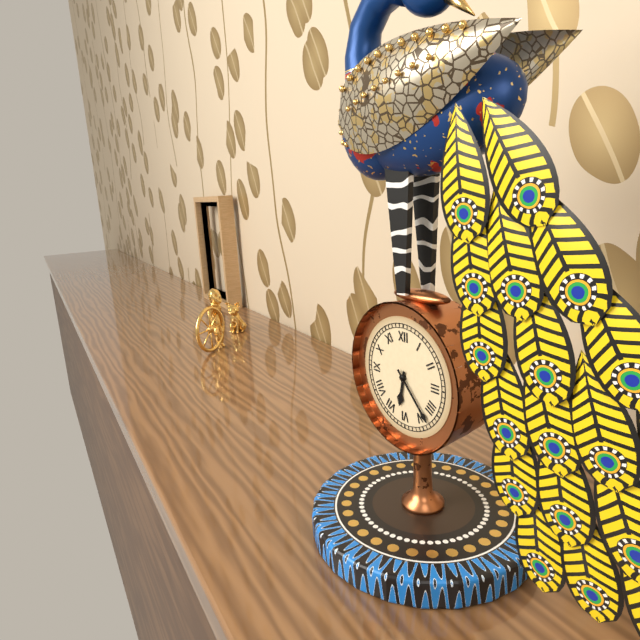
6:23
